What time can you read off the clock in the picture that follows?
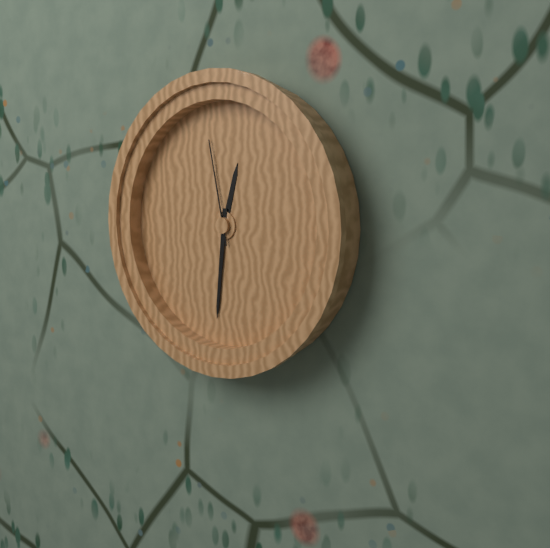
12:31:58
